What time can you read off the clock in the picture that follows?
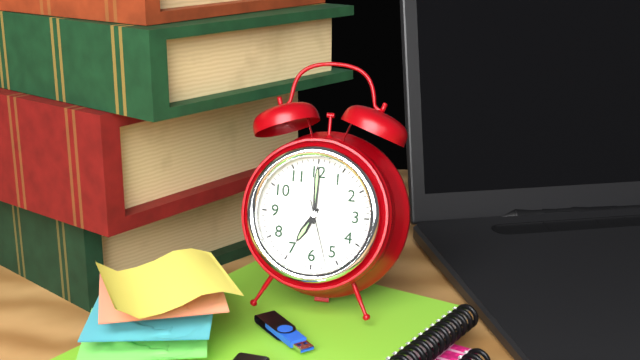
7:00:27
